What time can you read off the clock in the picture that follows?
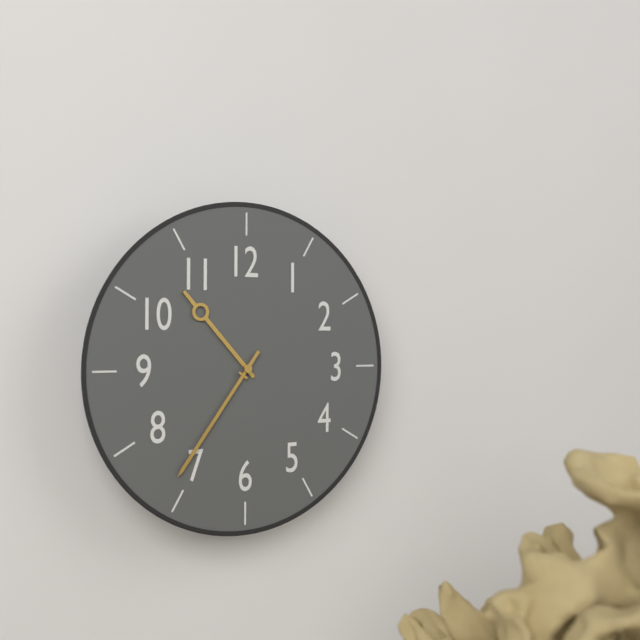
10:36
